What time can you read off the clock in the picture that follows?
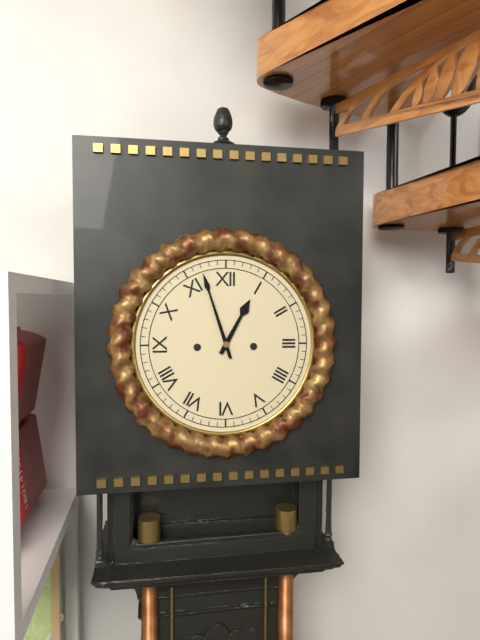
12:57
